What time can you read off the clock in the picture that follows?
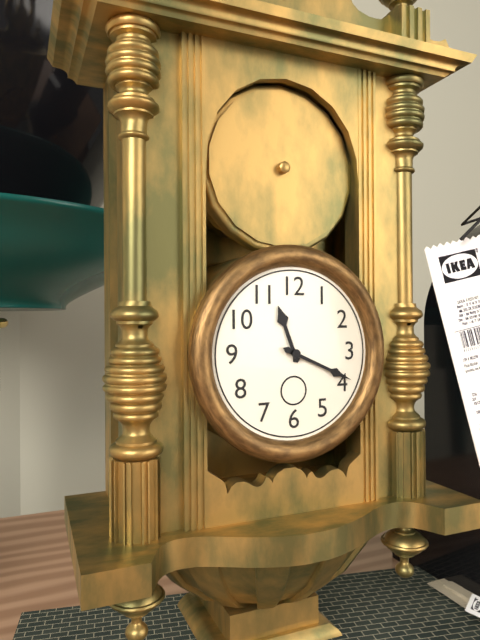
11:19
